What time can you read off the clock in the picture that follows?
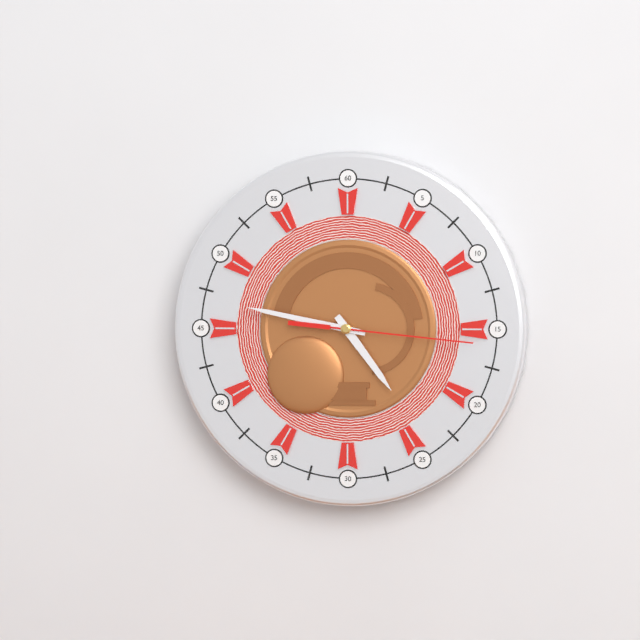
4:47:16
